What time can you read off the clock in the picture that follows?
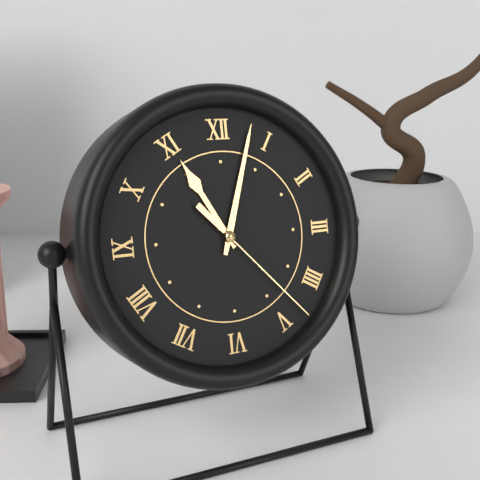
11:03:23
